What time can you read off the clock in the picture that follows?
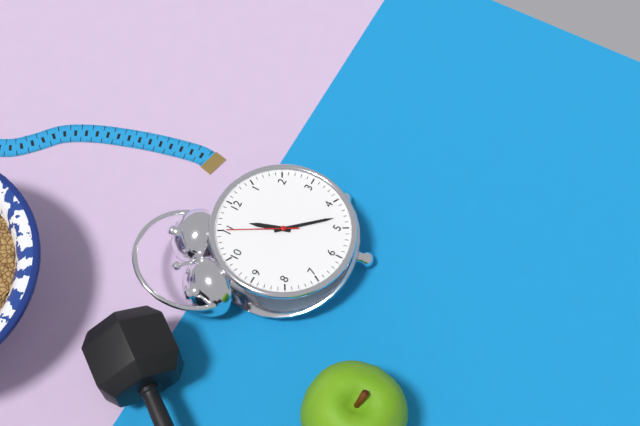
11:23:55
